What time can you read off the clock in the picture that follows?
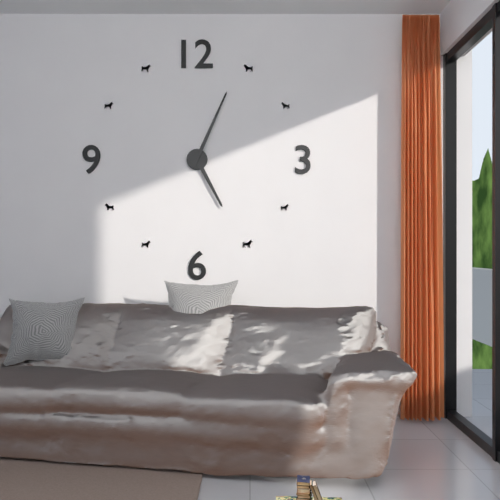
5:04
